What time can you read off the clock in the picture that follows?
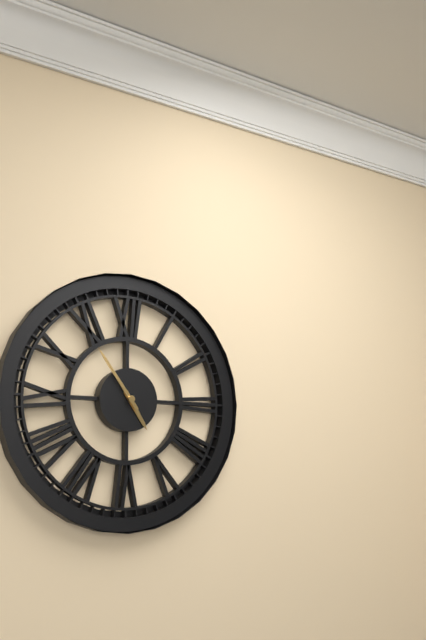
4:54
